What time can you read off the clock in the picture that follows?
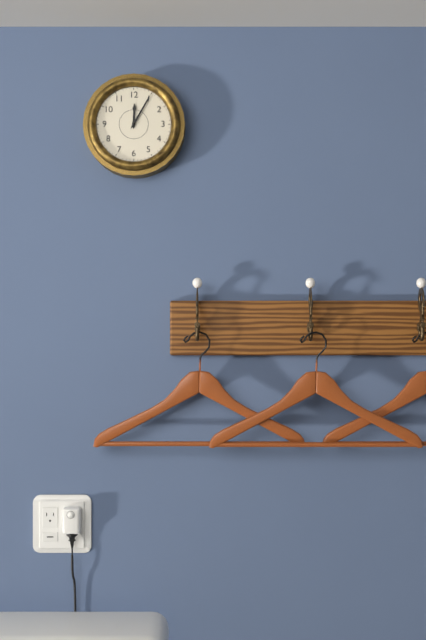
12:05
